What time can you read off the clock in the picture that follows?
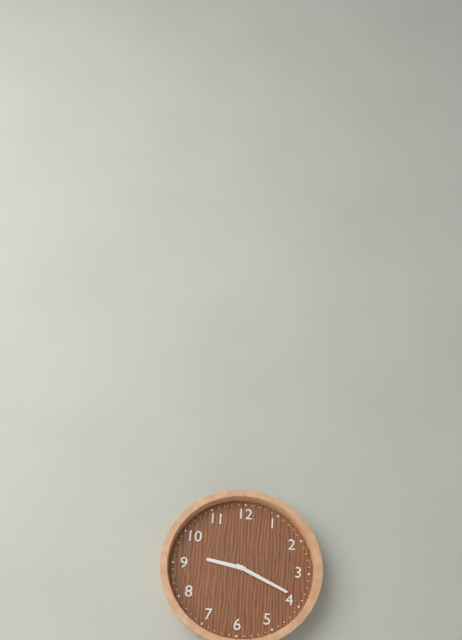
9:19
